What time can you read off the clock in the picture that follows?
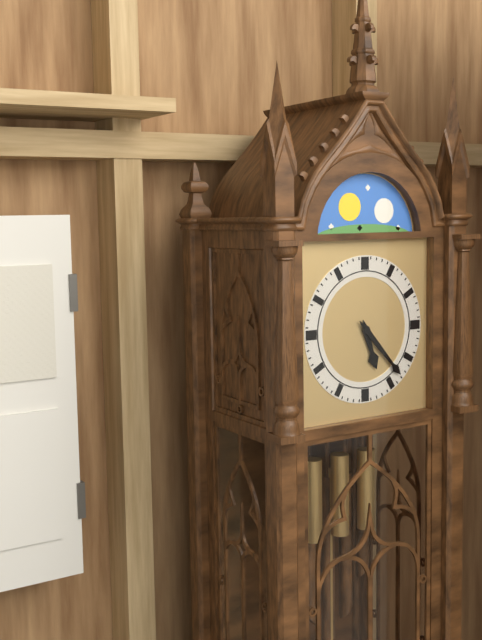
5:23
